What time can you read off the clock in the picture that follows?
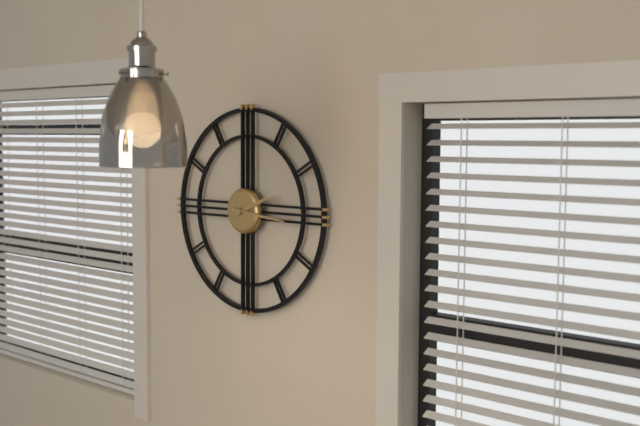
2:16
